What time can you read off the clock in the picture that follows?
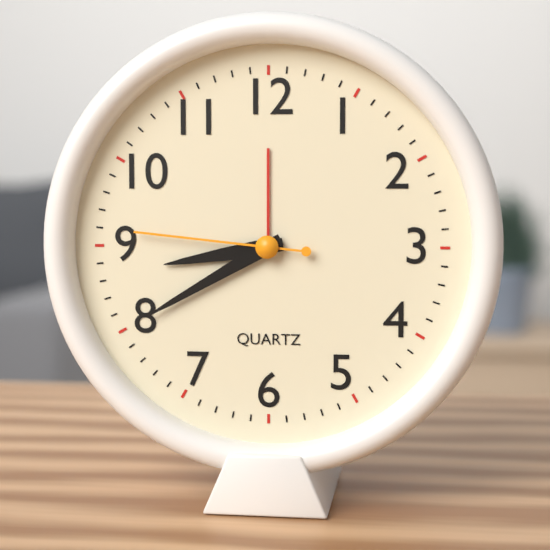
8:40:46
